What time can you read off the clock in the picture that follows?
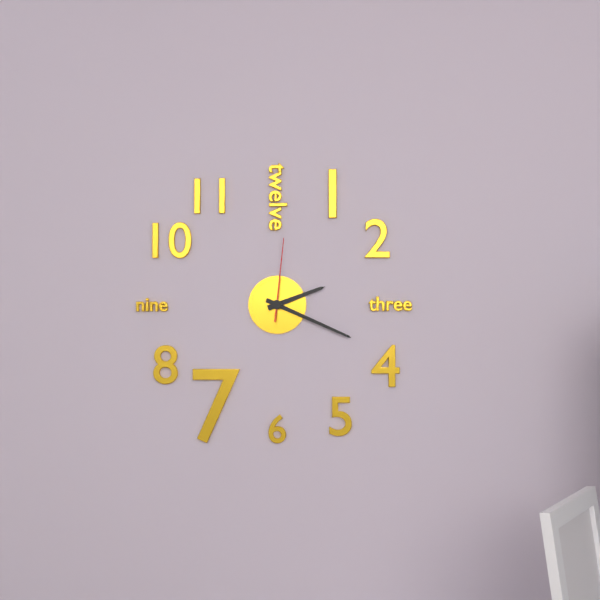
2:19:01
